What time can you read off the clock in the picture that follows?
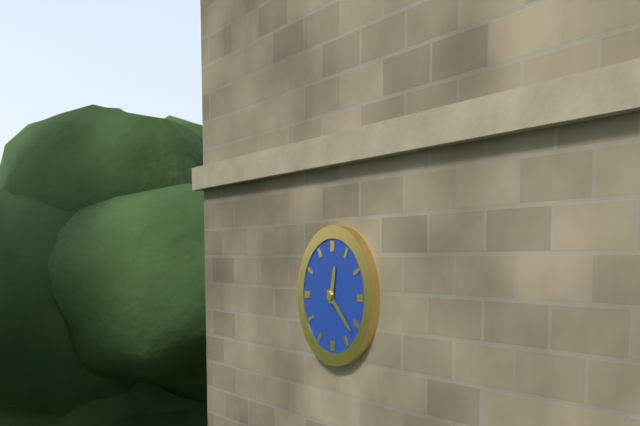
12:22
